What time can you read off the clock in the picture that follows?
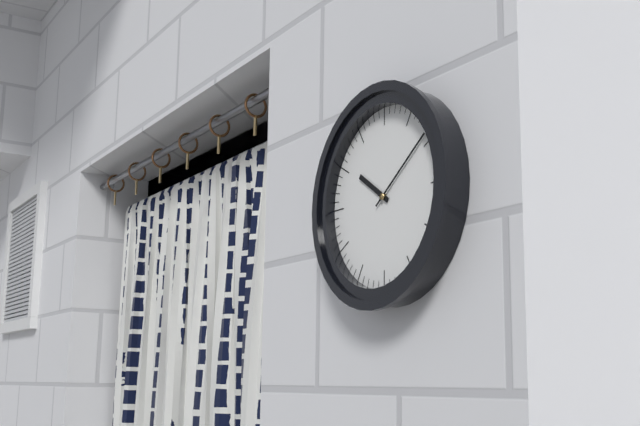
10:09
